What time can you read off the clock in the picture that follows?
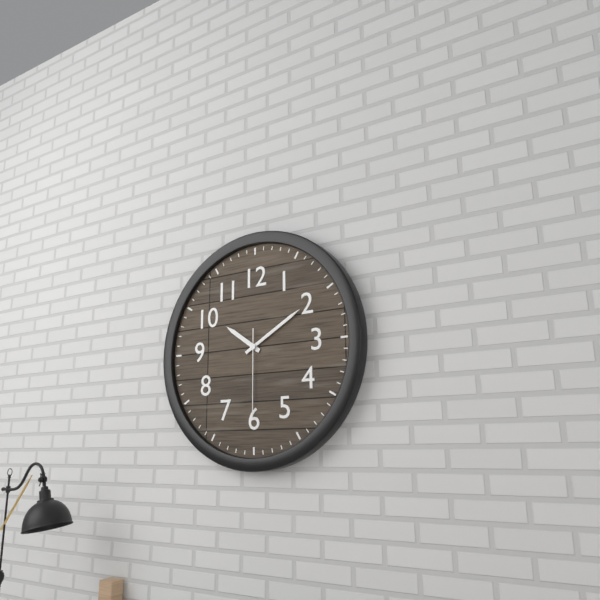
10:10:30
